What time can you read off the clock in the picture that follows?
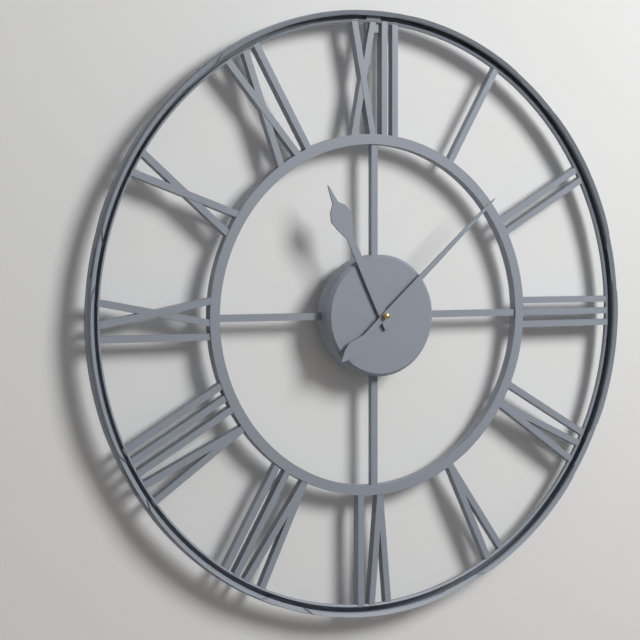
11:08
